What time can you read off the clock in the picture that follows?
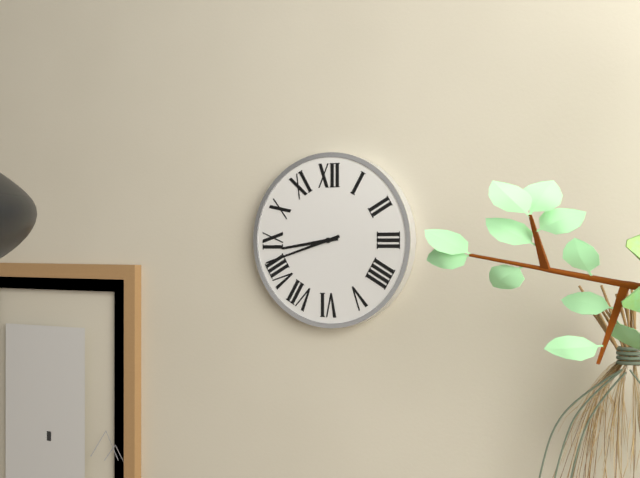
8:42
